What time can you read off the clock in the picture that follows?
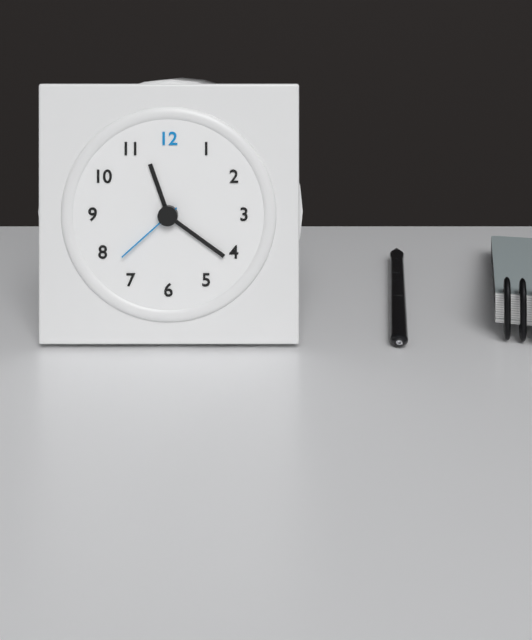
11:21:38
